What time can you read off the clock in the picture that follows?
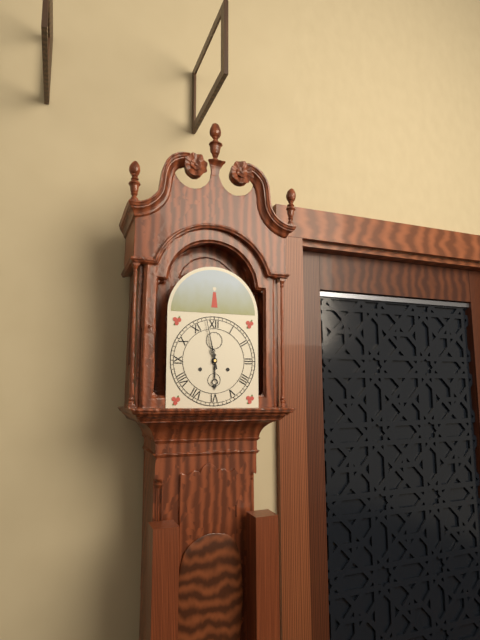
5:58
